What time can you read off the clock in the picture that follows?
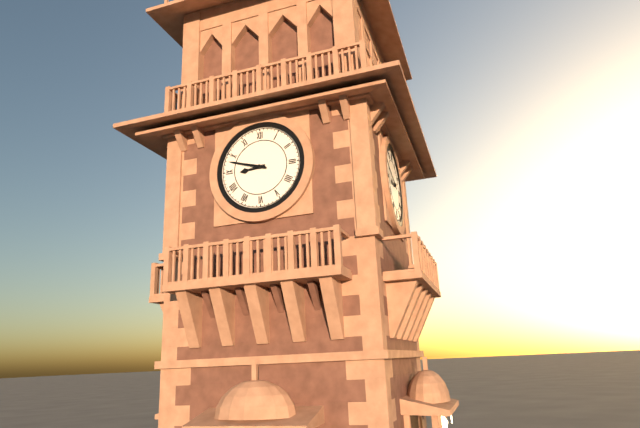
8:48
